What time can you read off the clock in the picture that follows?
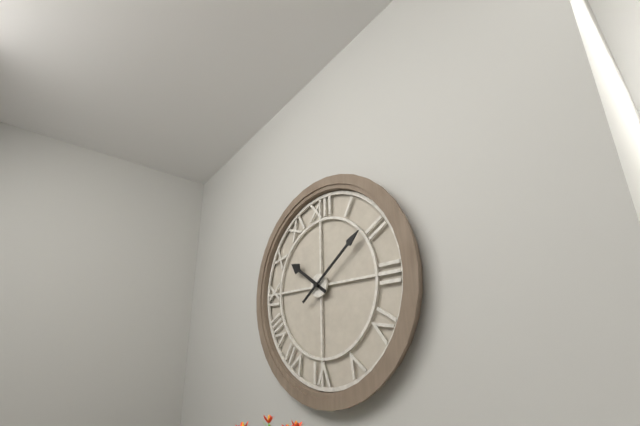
10:09
